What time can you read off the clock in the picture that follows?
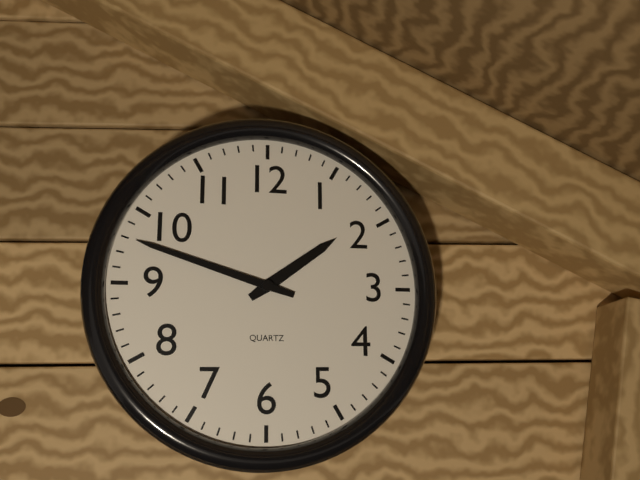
1:48
